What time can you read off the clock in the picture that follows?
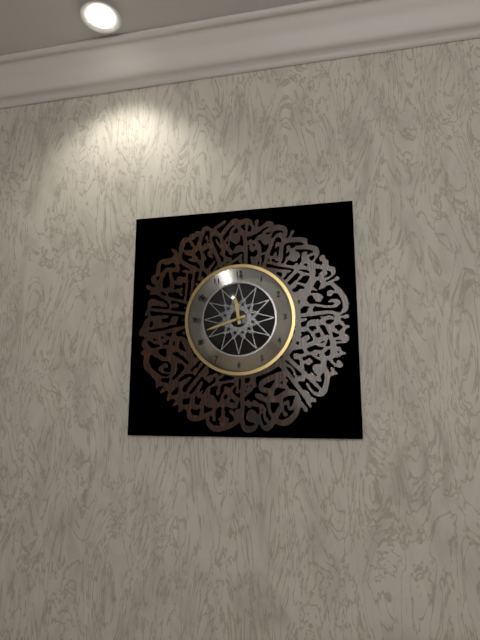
11:42
